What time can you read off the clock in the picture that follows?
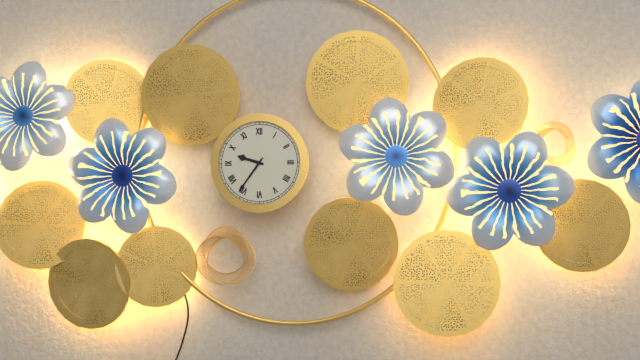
9:36
